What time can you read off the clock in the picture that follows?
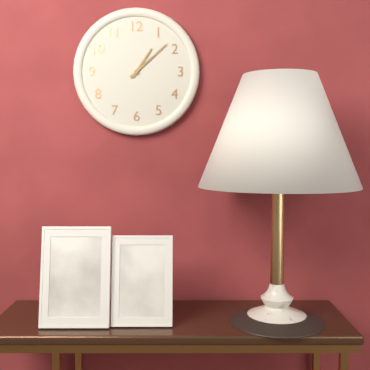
1:08
